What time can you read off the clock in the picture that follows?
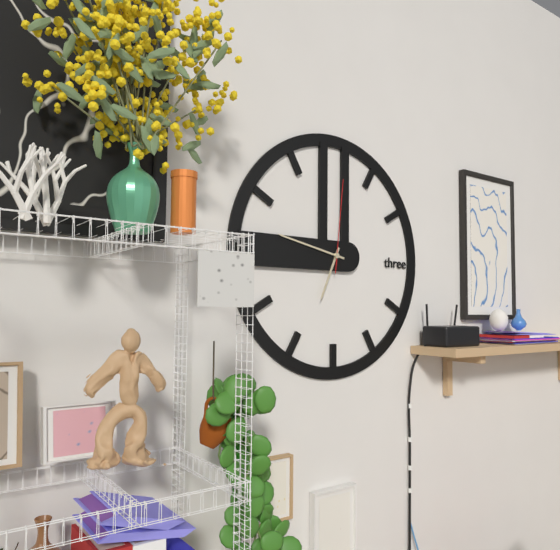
6:47:01
